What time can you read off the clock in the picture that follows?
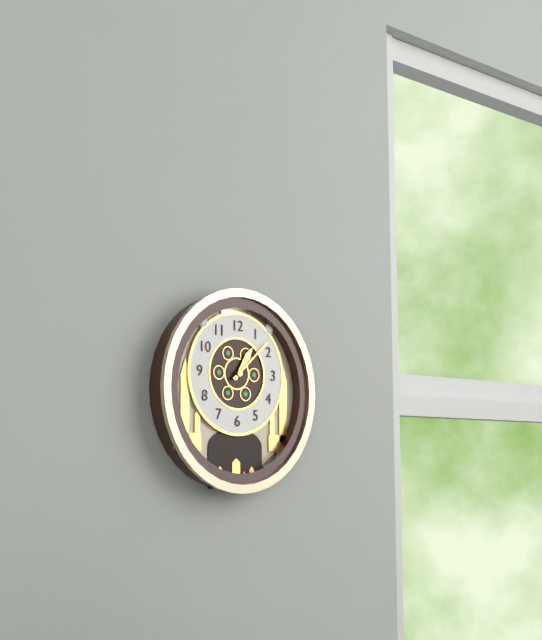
1:08
